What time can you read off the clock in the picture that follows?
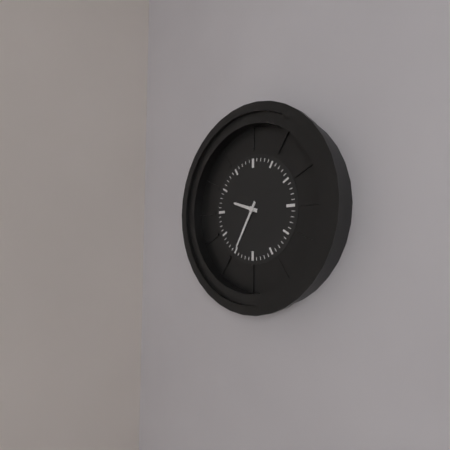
9:35
